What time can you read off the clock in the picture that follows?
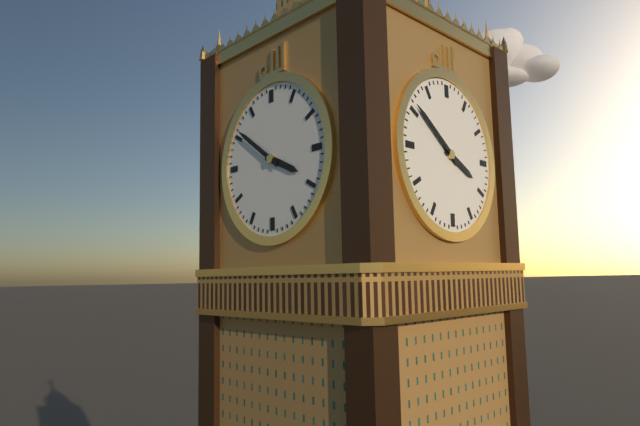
3:51
